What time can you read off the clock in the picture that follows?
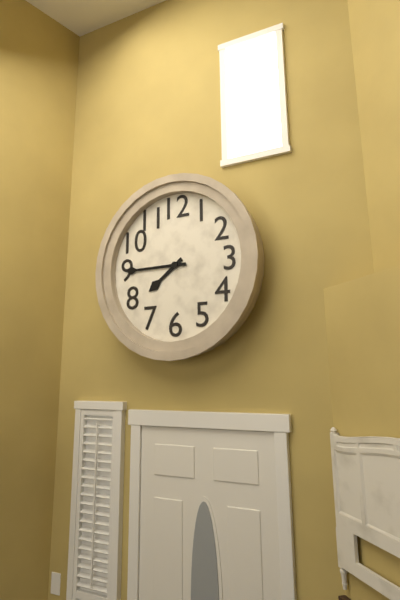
7:45
